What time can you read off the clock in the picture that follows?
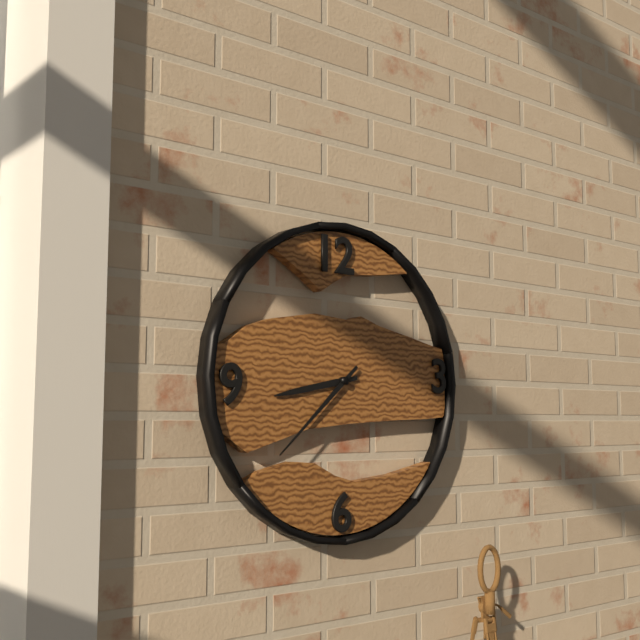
8:38
